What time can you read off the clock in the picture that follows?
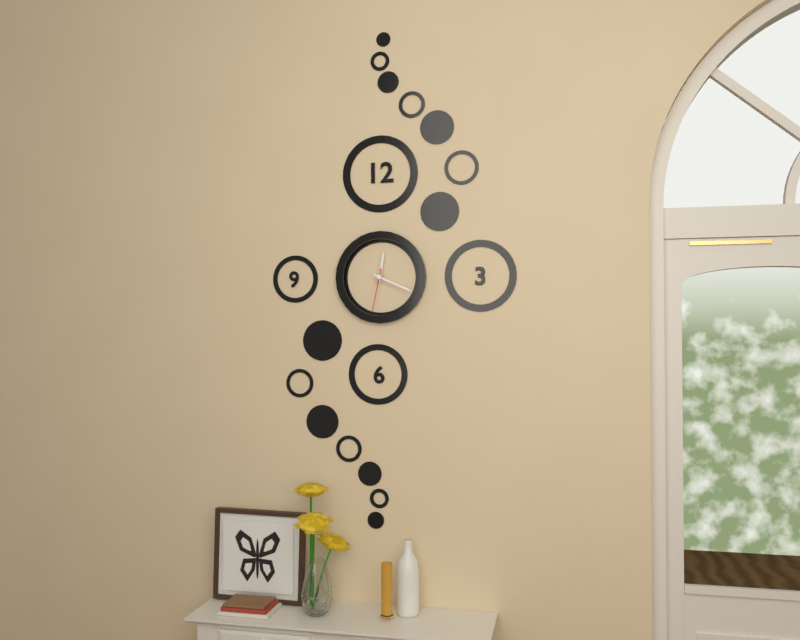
12:19
